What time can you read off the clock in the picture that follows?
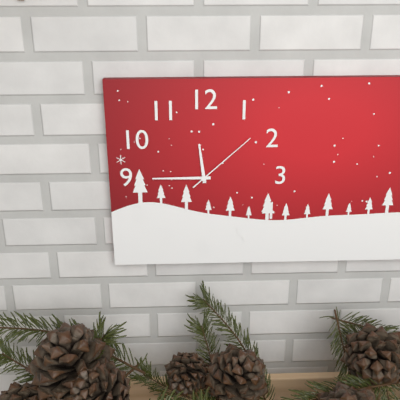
11:45:08
